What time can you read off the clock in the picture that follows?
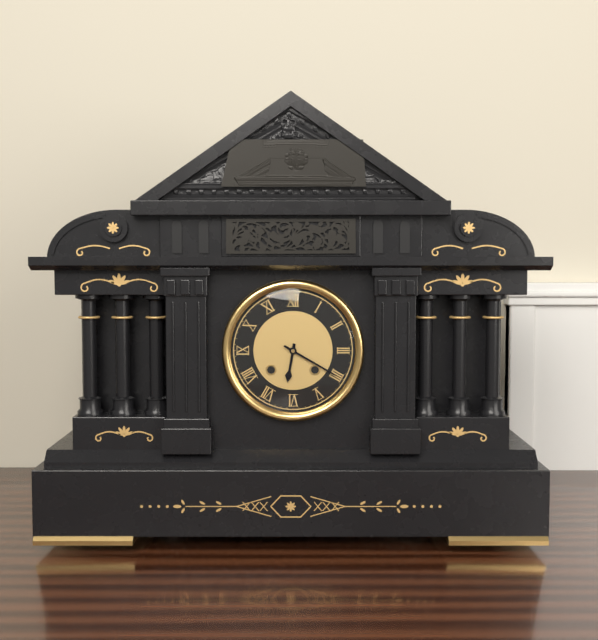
6:20
